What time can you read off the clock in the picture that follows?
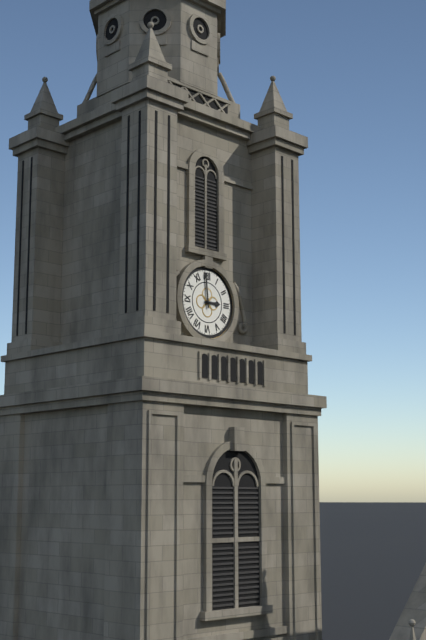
2:59
